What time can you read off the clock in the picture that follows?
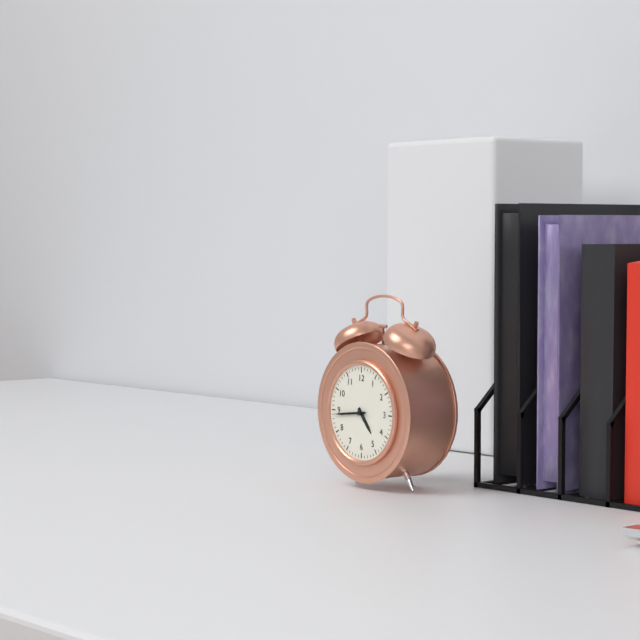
4:44
